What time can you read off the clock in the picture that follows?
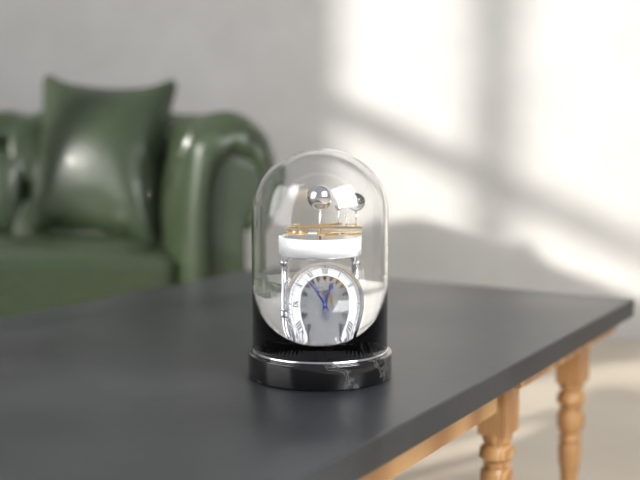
12:53
